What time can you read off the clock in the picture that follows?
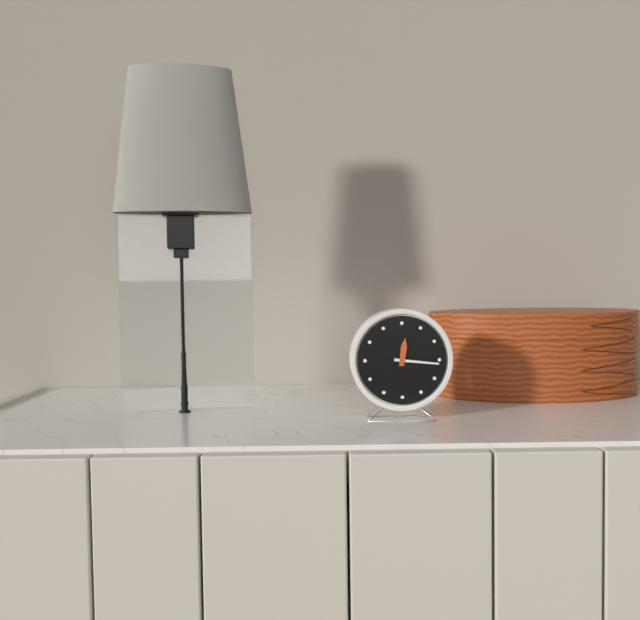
12:16
